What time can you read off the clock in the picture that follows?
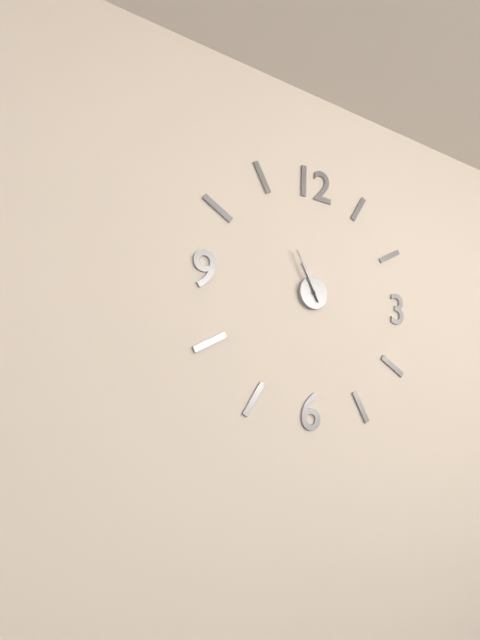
10:55
